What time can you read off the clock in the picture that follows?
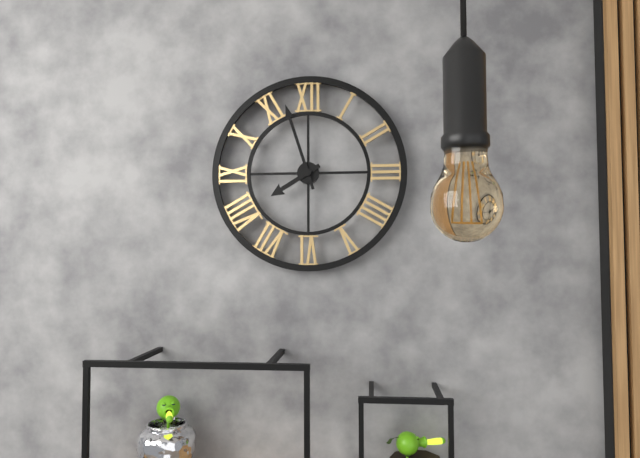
7:57
